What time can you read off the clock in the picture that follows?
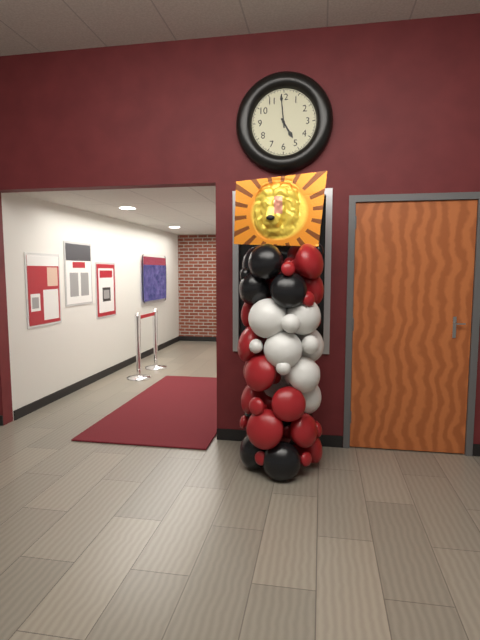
4:59
